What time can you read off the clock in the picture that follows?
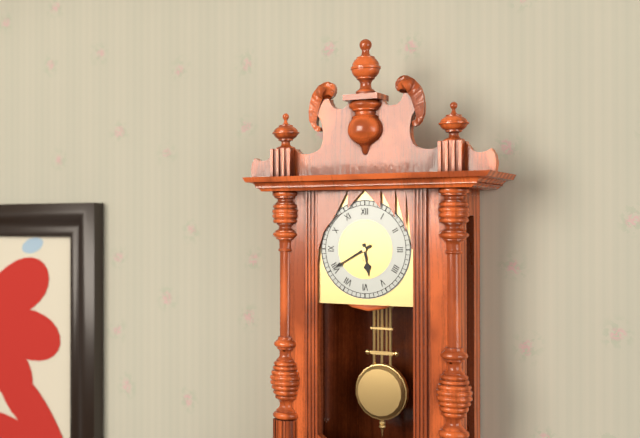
5:40
